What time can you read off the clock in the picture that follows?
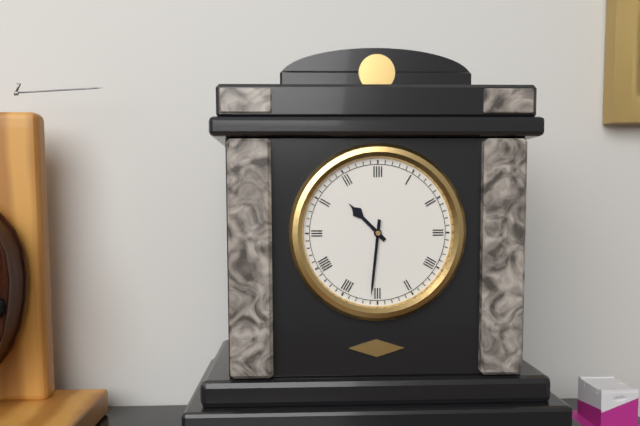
10:31
